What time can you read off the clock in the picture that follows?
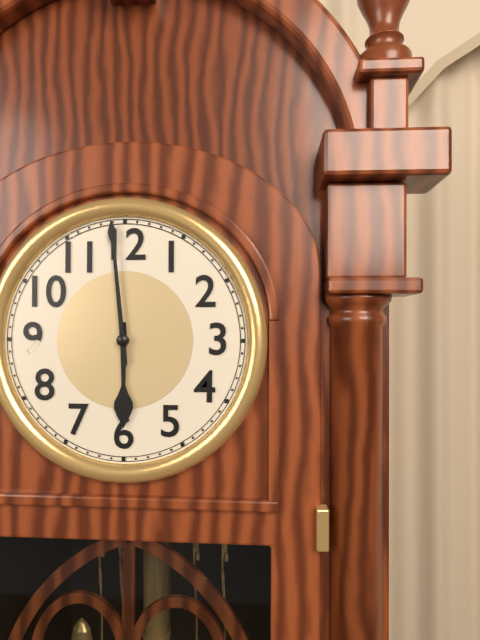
5:59
